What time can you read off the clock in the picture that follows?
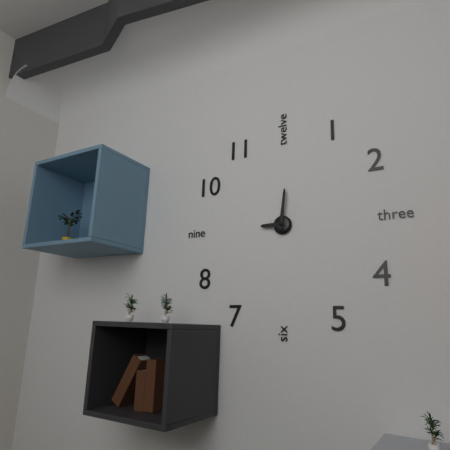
9:01
